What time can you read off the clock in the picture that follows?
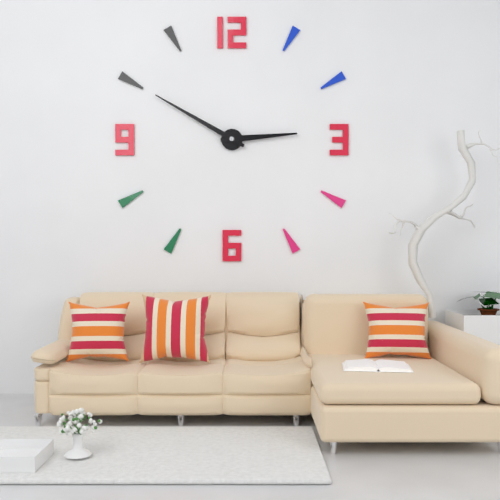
2:50
